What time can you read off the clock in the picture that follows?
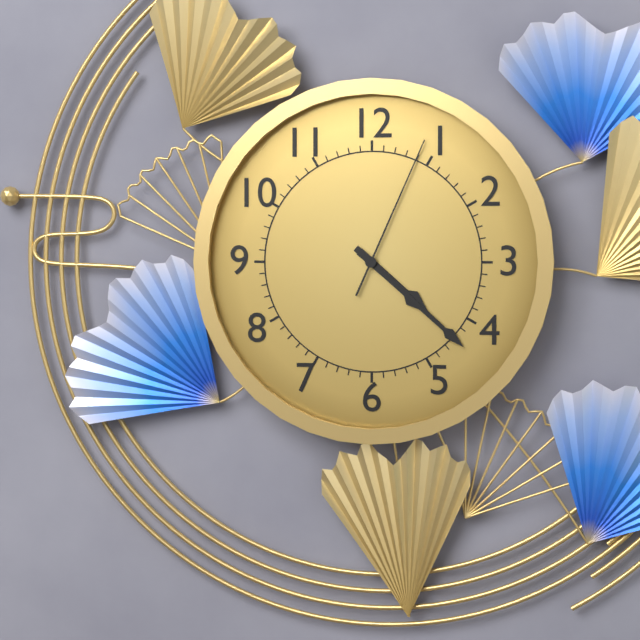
4:22:04
